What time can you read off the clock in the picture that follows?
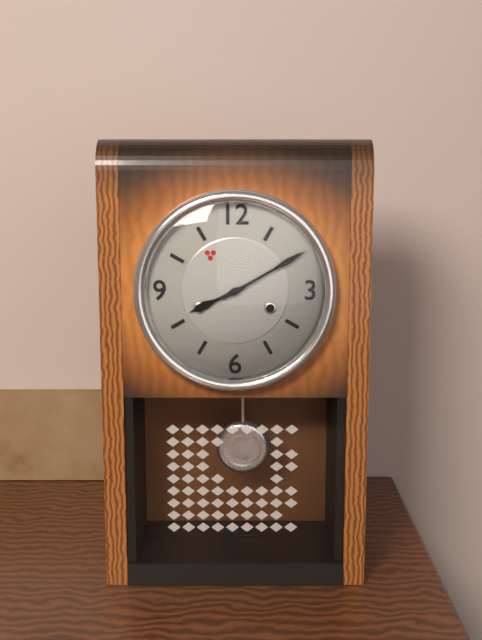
8:10
